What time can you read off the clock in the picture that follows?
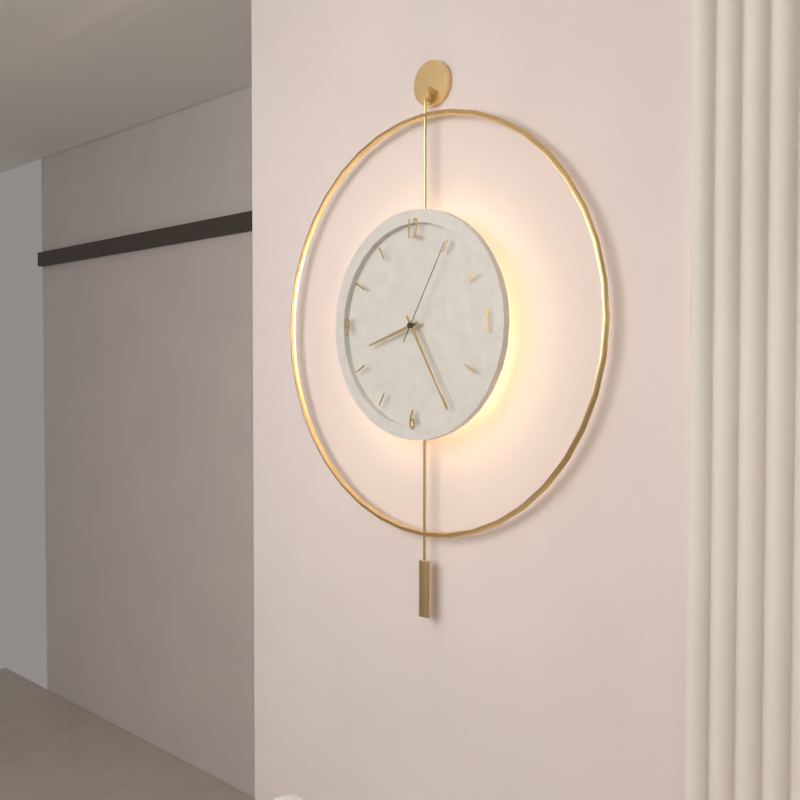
8:25:05
